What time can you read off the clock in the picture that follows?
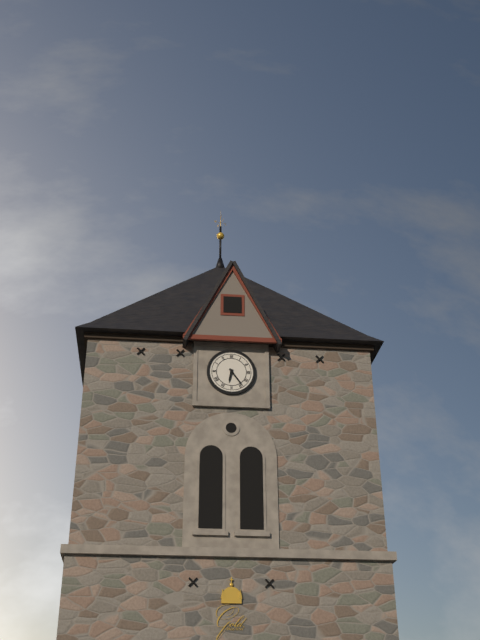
6:24
